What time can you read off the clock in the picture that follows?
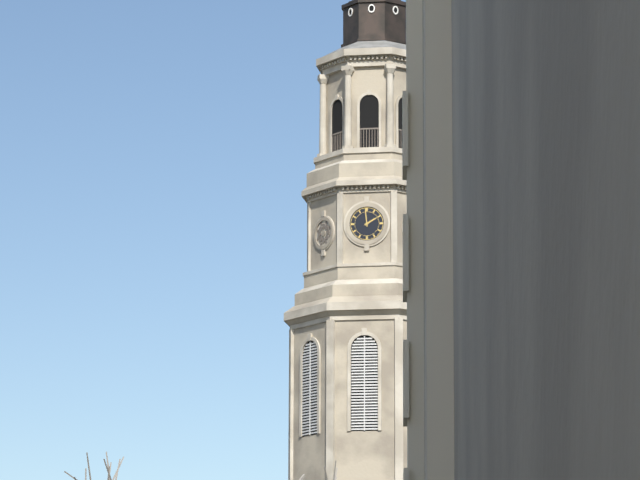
1:59
